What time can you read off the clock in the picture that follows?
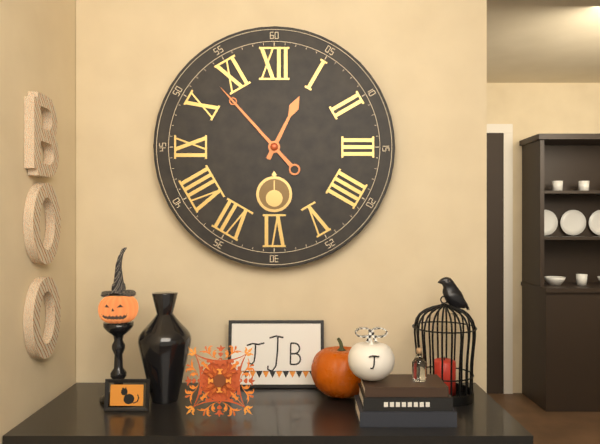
12:53
